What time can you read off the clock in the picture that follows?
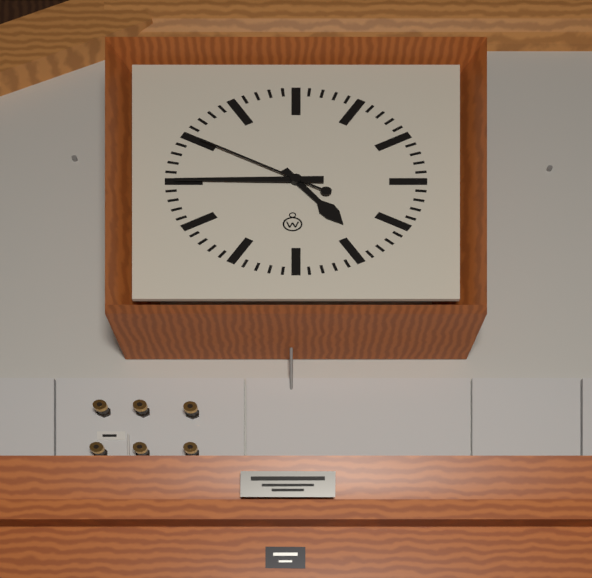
4:45:50
